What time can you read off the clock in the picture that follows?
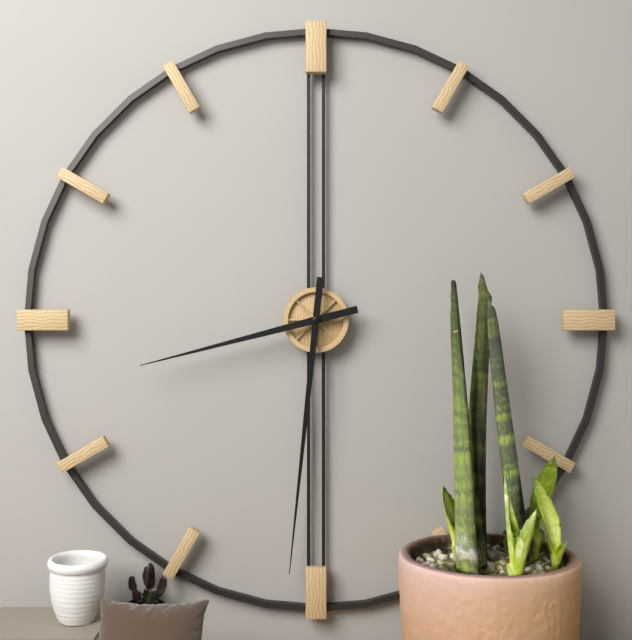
8:31
